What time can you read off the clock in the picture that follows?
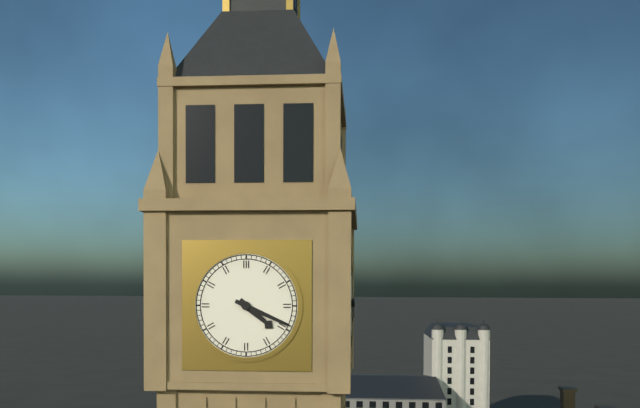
4:19
